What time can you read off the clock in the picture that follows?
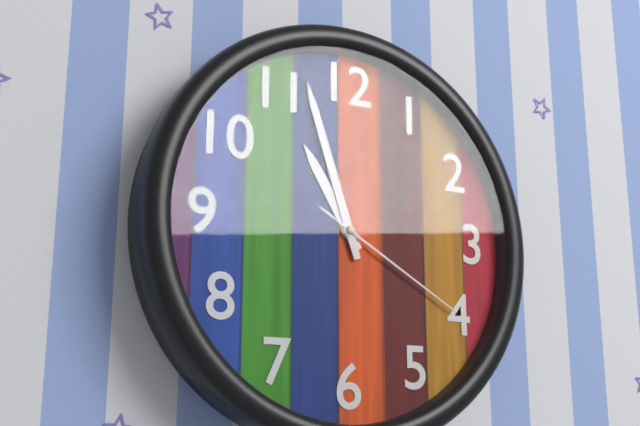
10:57:20
